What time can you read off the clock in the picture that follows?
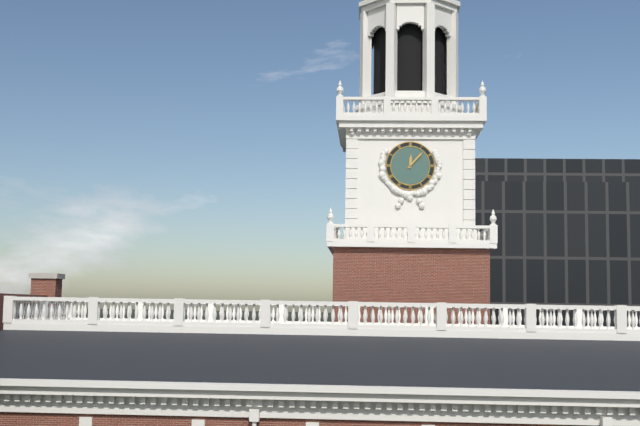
12:07
